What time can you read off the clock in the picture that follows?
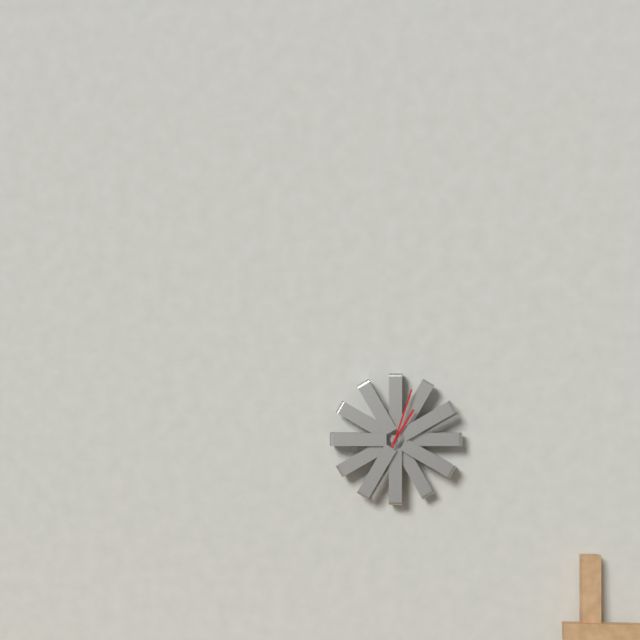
1:03
